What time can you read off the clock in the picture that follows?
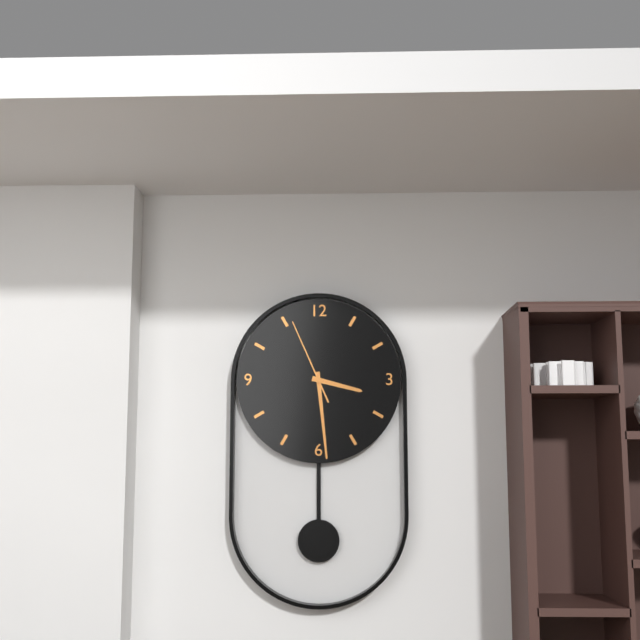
3:29:56
